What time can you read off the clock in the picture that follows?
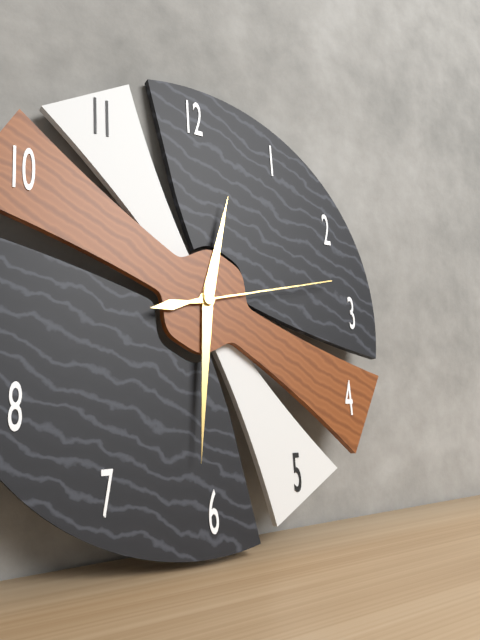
12:31:13
